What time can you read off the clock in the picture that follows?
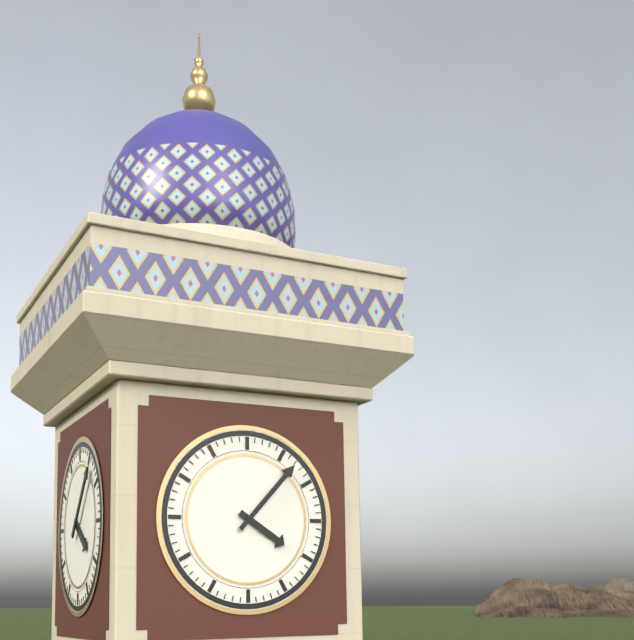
4:07
